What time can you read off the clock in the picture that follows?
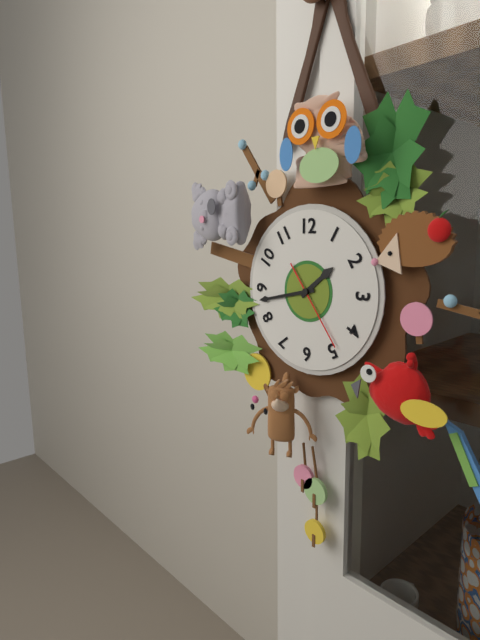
1:43:24
